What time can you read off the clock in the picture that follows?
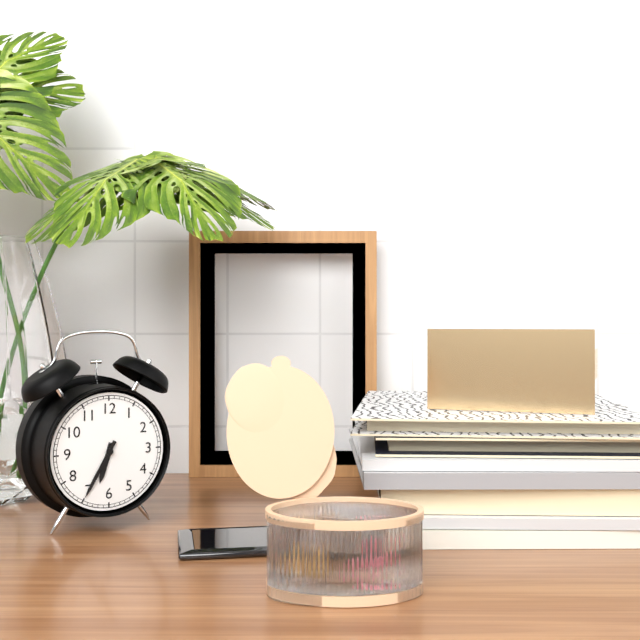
6:35
